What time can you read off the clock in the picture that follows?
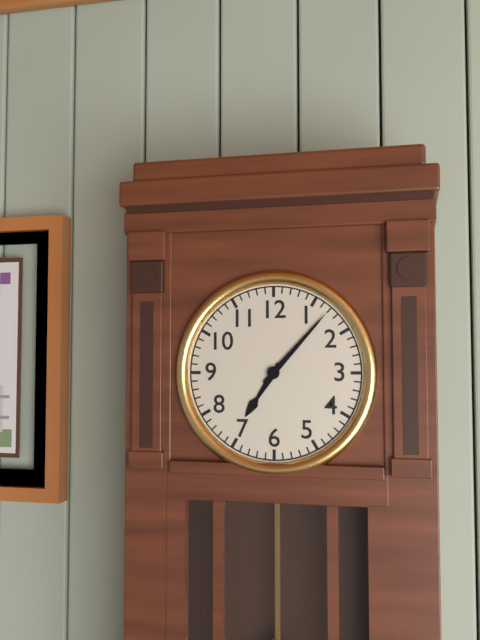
7:07
